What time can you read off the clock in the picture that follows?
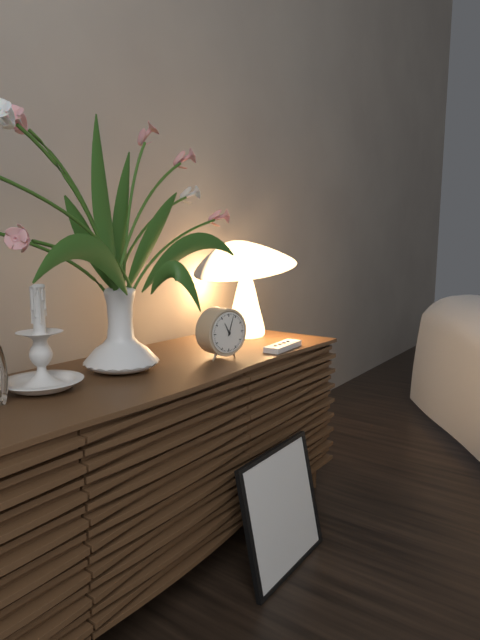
11:03
